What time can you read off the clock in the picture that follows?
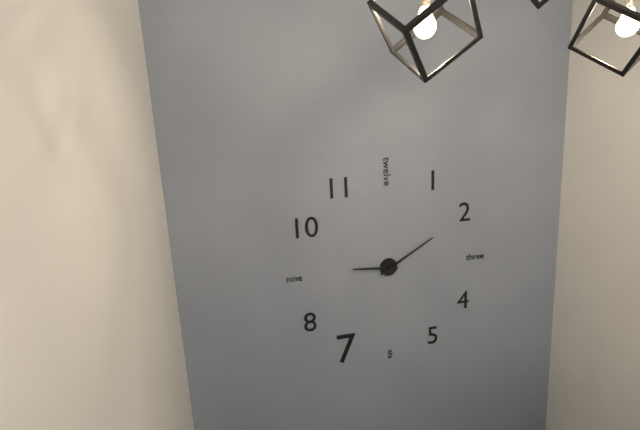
9:10
